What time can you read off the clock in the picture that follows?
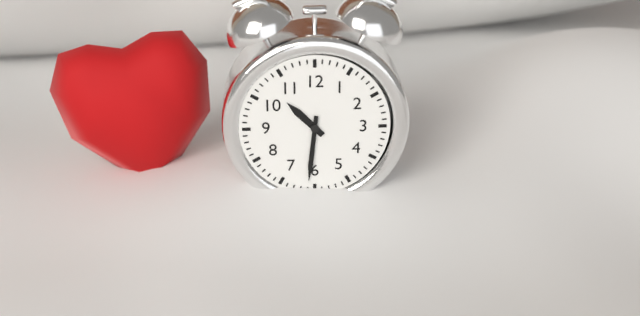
10:31
